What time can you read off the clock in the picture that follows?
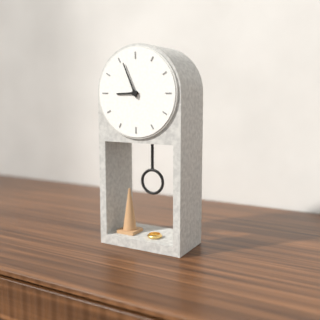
8:56
